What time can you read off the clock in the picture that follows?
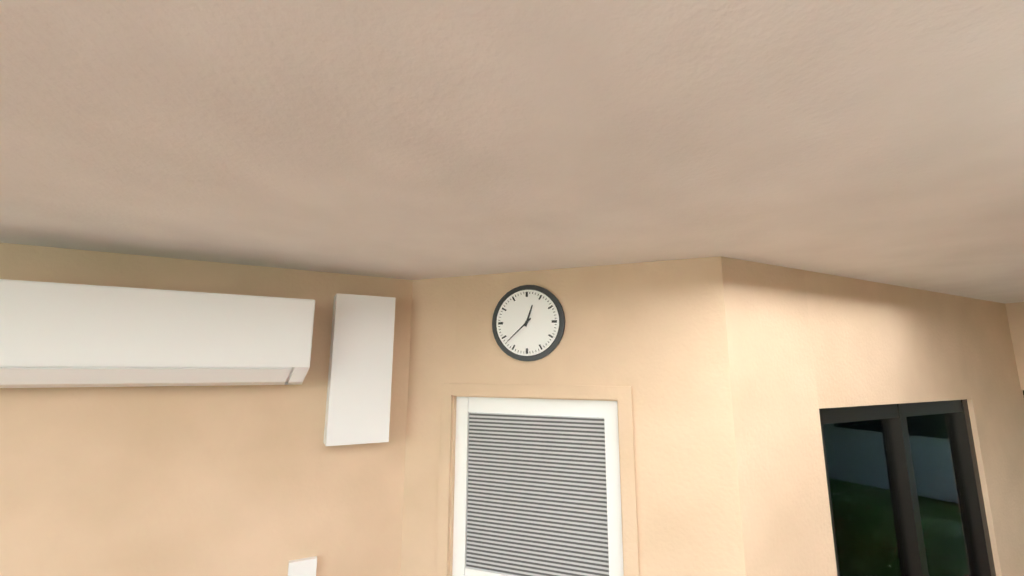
12:38
